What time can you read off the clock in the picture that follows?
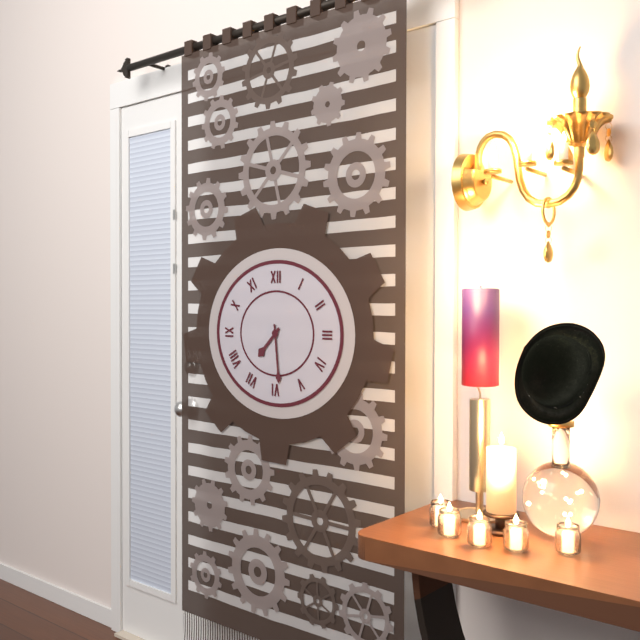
7:29
